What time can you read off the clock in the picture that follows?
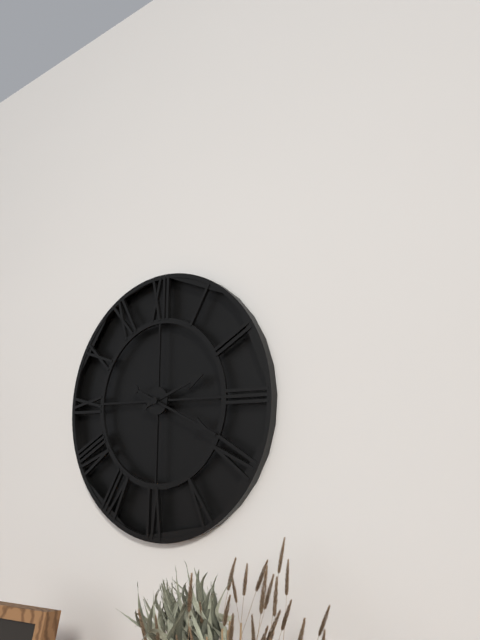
2:19
